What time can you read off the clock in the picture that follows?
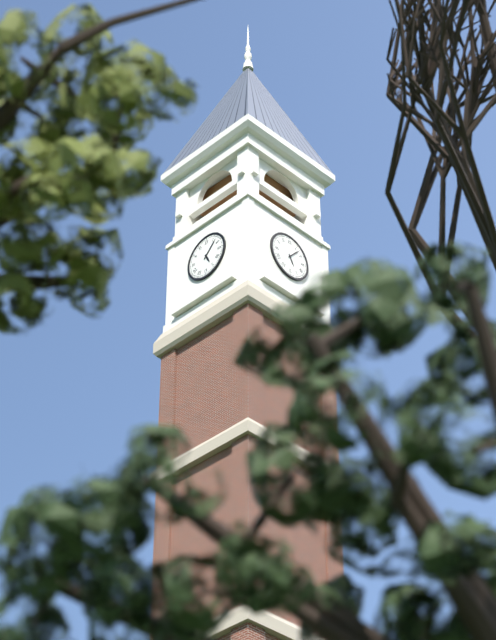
5:07
